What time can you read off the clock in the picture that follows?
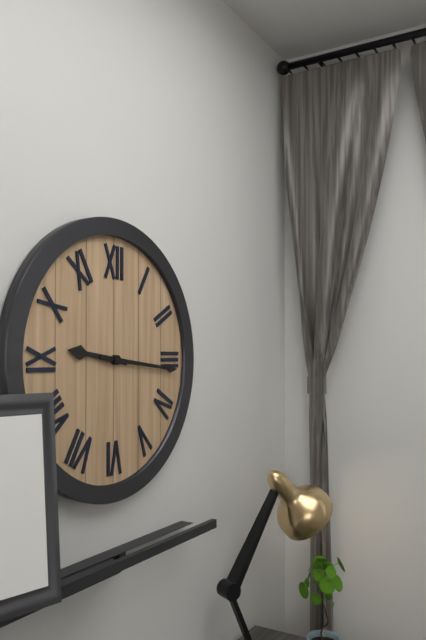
9:16
